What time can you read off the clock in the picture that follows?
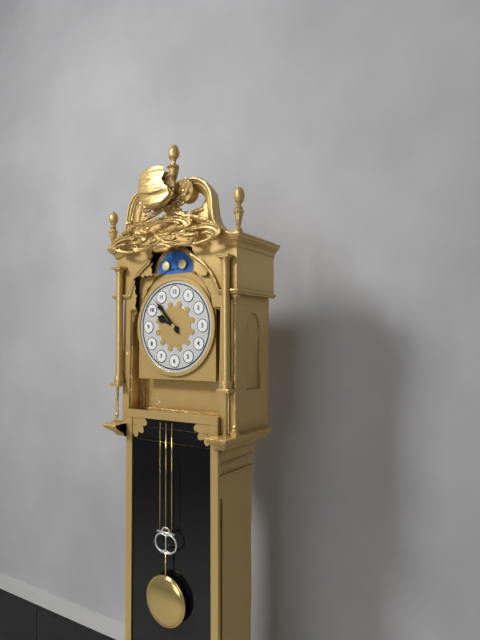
9:53
